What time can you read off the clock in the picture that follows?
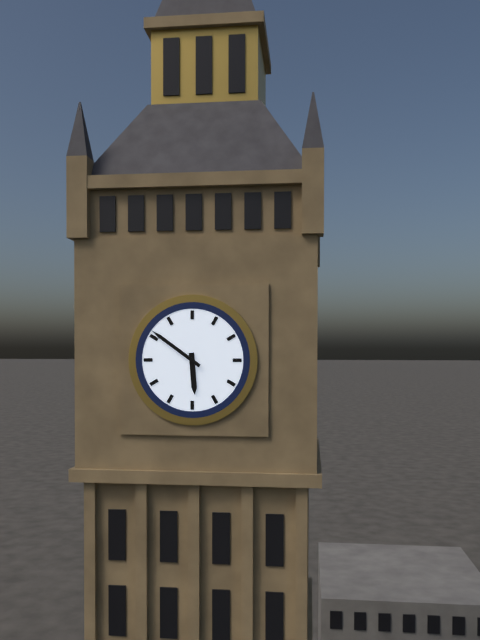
5:51
